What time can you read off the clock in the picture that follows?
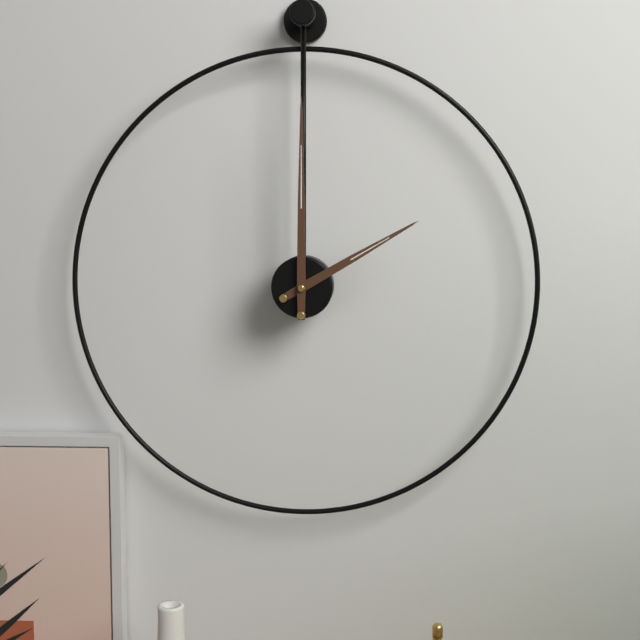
2:00
